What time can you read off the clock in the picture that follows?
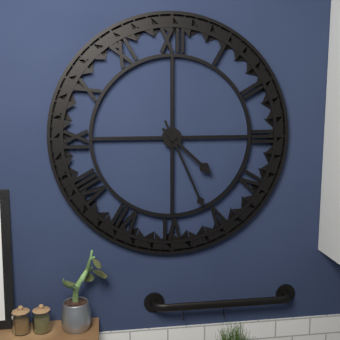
4:26
